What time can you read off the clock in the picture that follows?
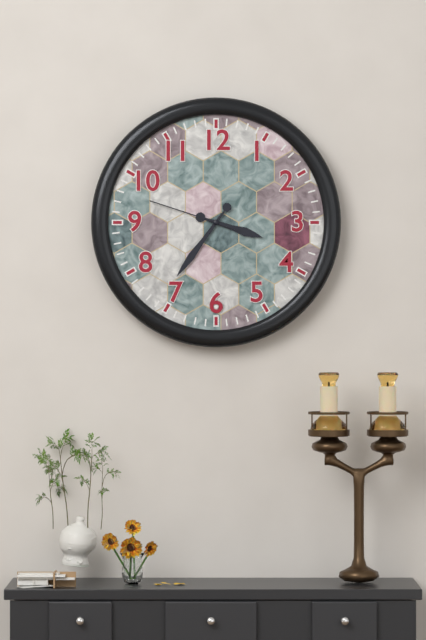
3:36:48
